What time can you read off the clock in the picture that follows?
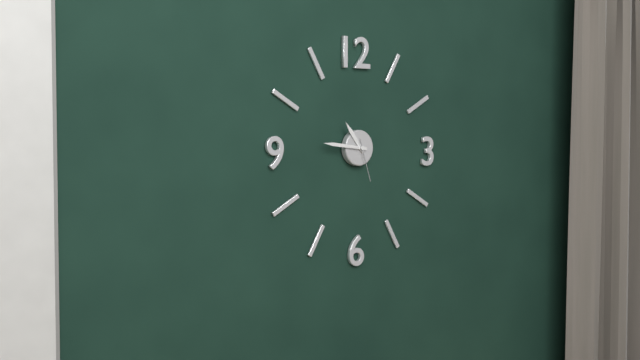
10:46
